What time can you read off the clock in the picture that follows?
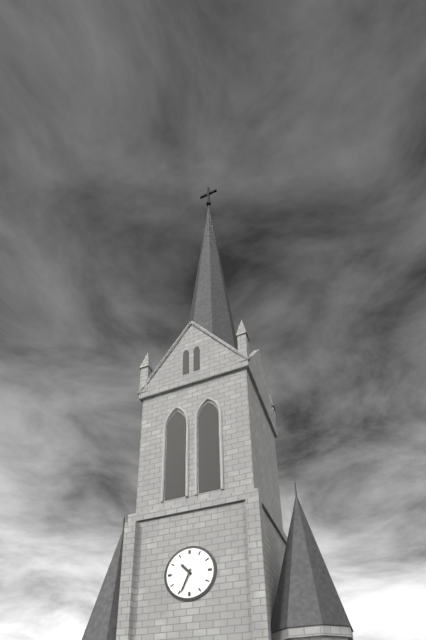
10:34
